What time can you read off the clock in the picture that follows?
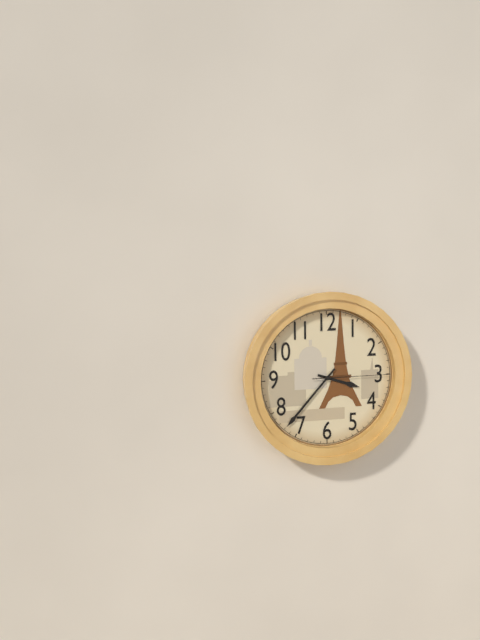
3:37:15
